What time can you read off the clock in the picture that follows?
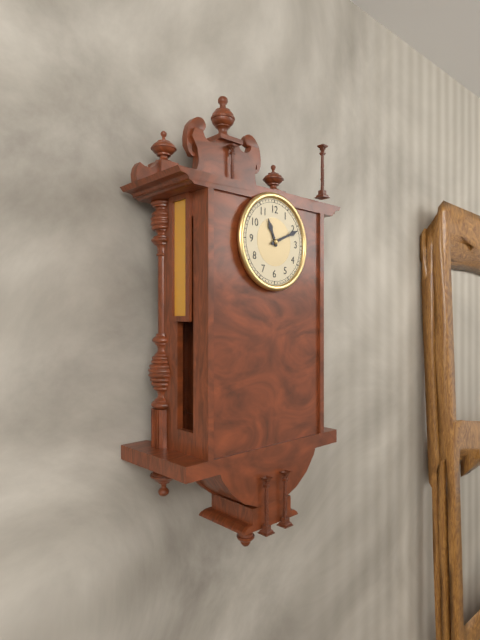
11:11
